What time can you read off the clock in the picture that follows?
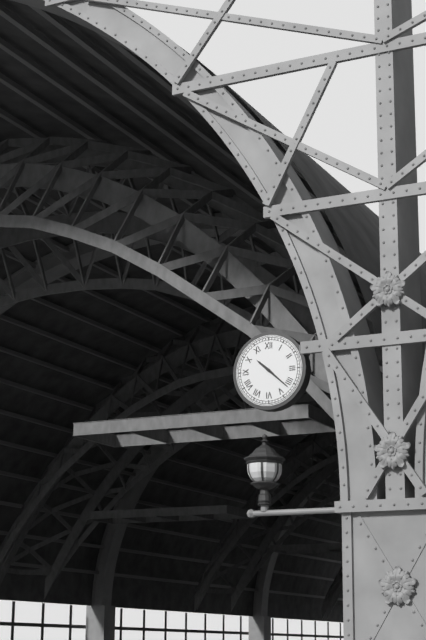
10:22
